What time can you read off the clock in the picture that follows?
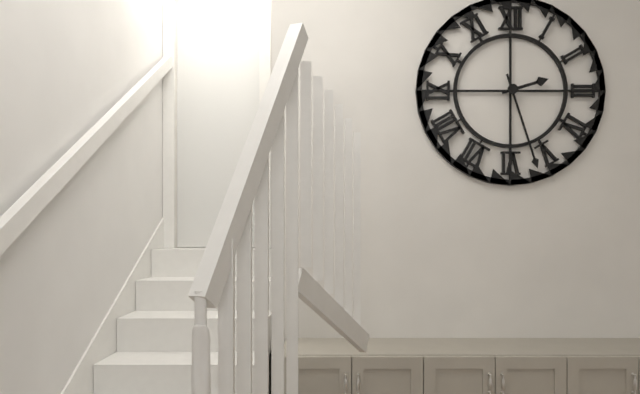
2:27
